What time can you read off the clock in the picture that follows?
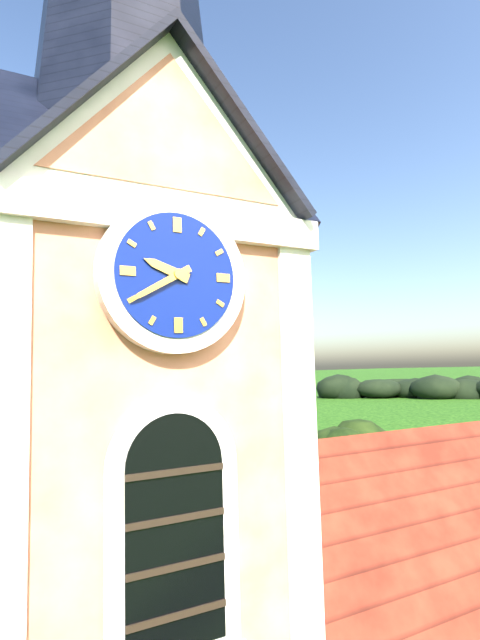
9:40
